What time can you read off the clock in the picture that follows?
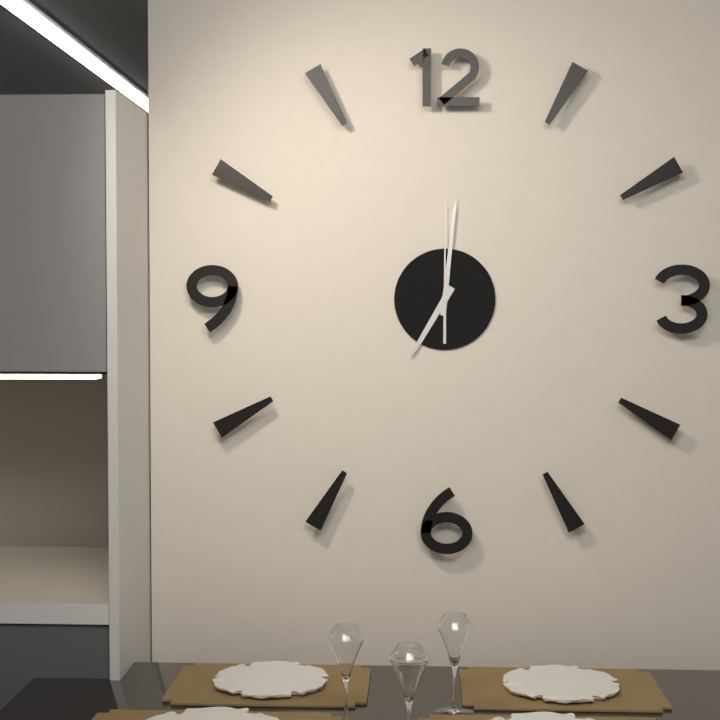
7:01:00
